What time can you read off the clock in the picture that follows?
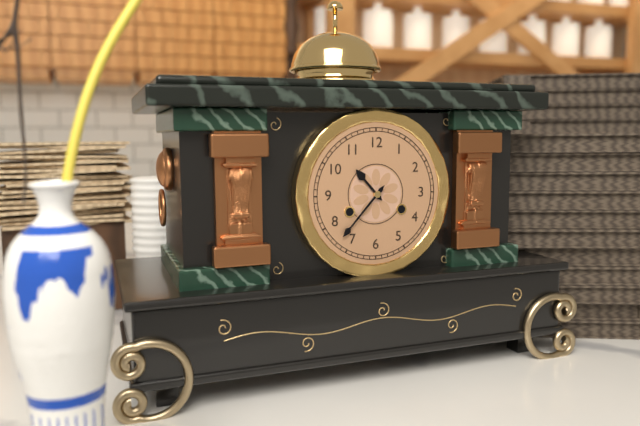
10:37
